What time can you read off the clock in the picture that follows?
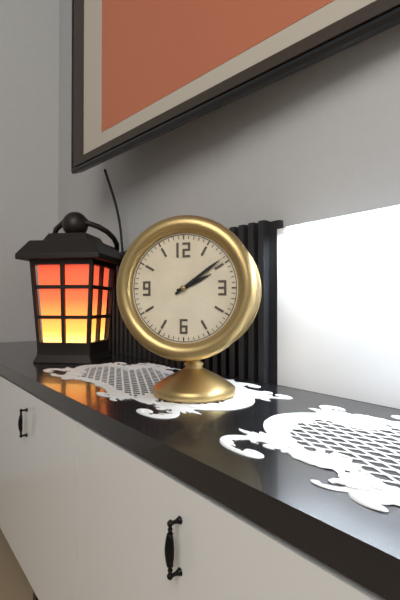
2:09
